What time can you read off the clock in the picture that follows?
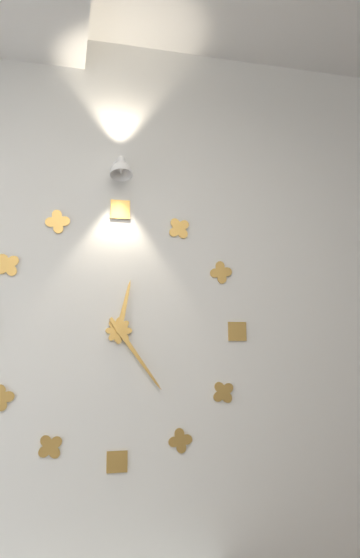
12:24
